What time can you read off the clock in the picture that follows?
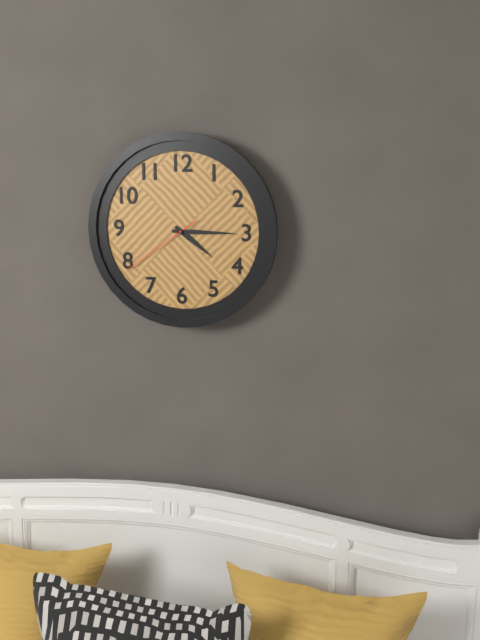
4:15:39
